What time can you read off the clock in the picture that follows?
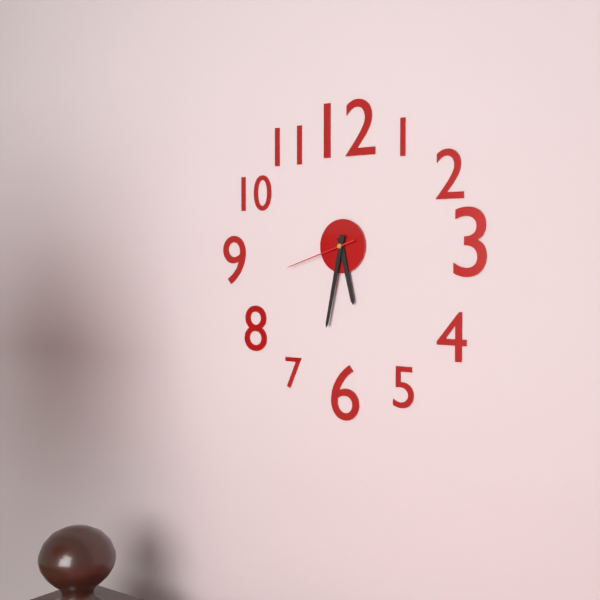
5:32:42
